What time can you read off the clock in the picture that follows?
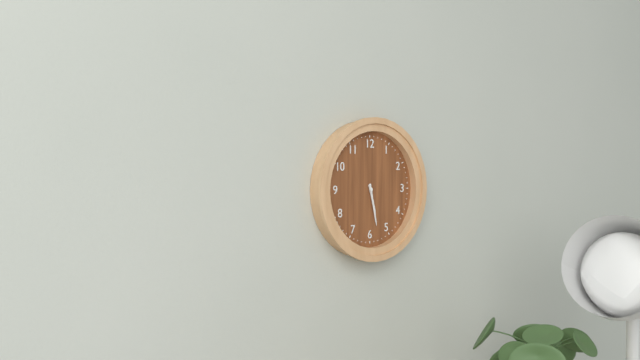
5:28
